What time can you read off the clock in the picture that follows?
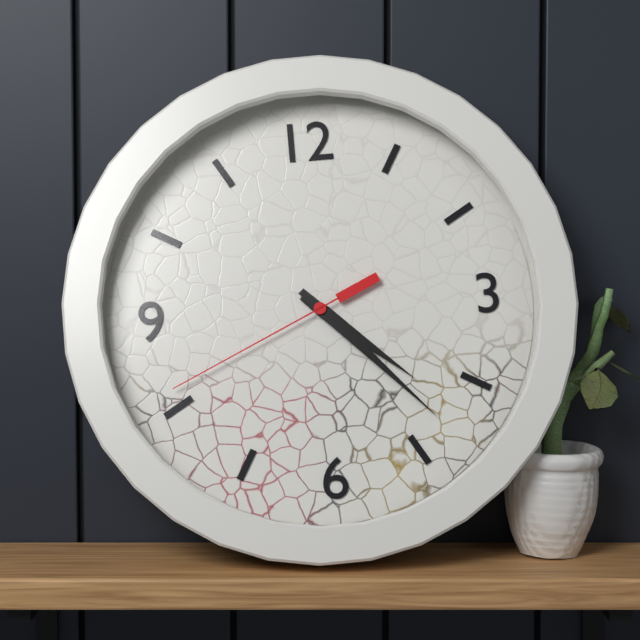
4:23:41
